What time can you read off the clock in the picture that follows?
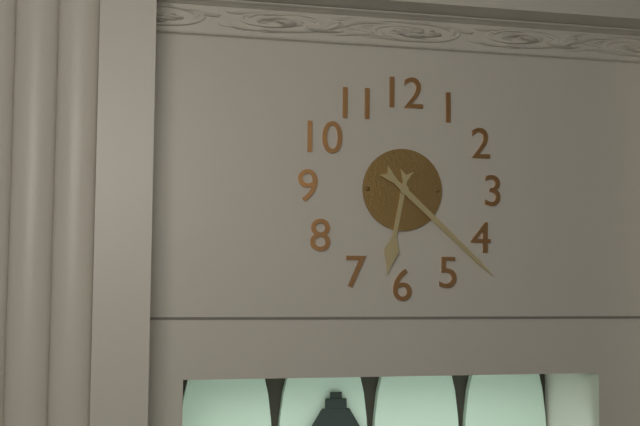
6:22
